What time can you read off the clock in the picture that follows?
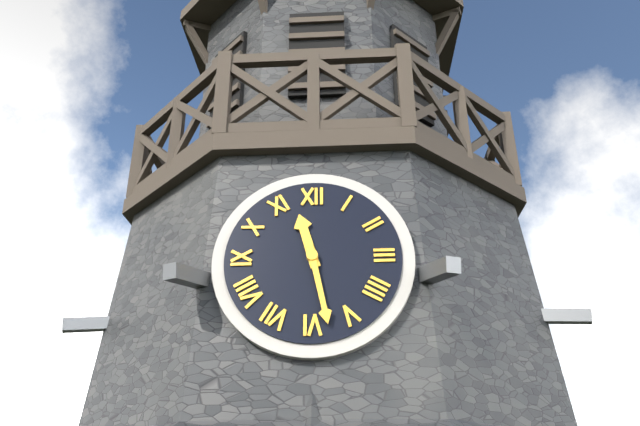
11:28
